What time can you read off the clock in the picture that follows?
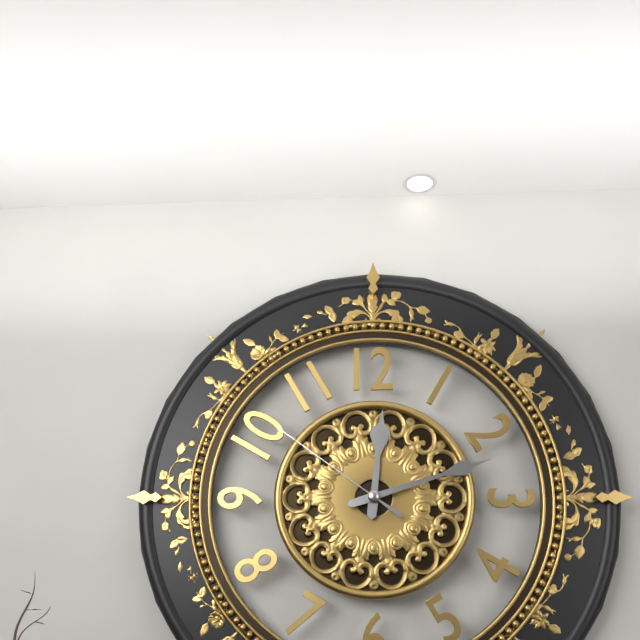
12:12:51
